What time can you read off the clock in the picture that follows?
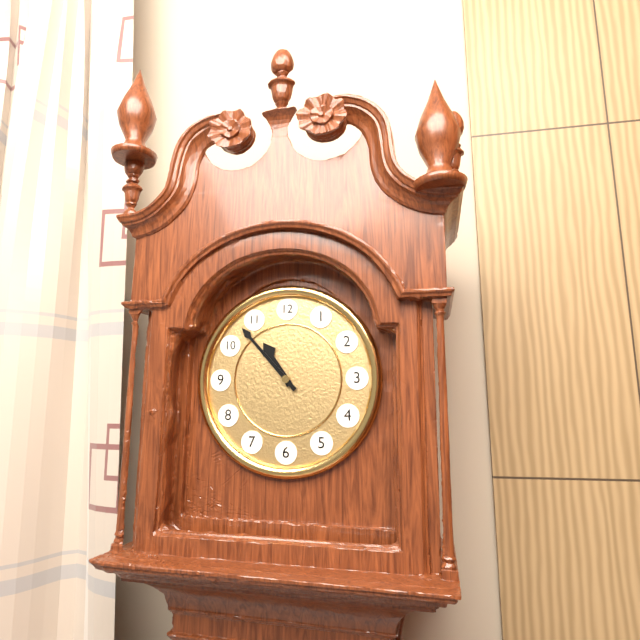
10:53
